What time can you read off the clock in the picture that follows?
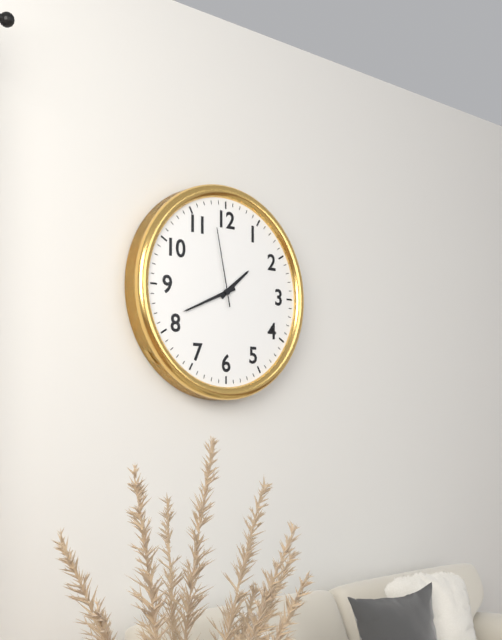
1:41:58
